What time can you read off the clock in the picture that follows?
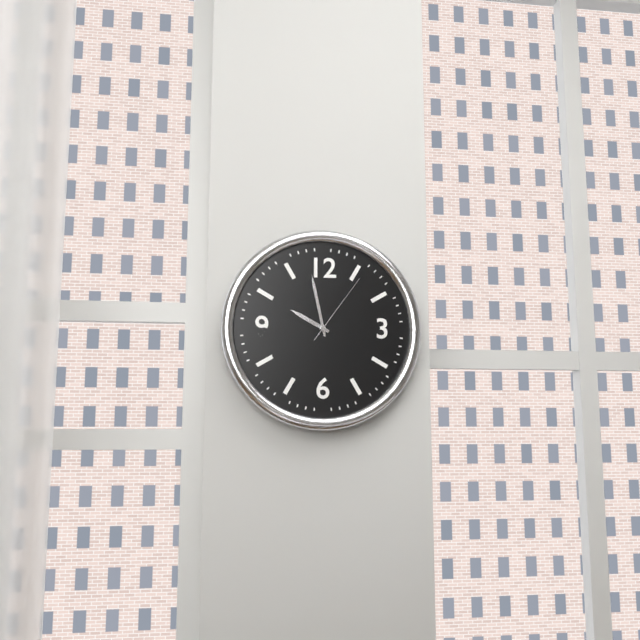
9:58:06
